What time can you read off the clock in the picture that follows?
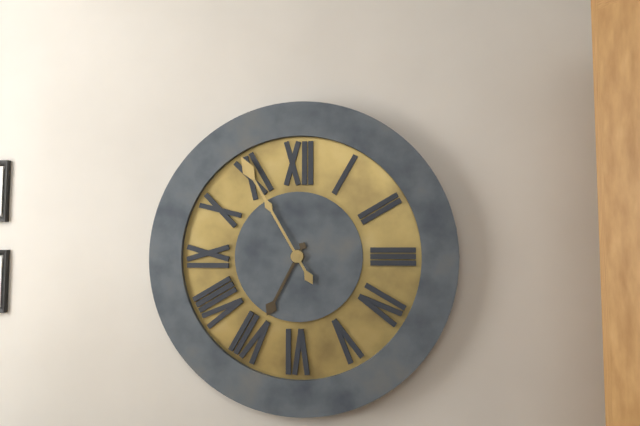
6:55
